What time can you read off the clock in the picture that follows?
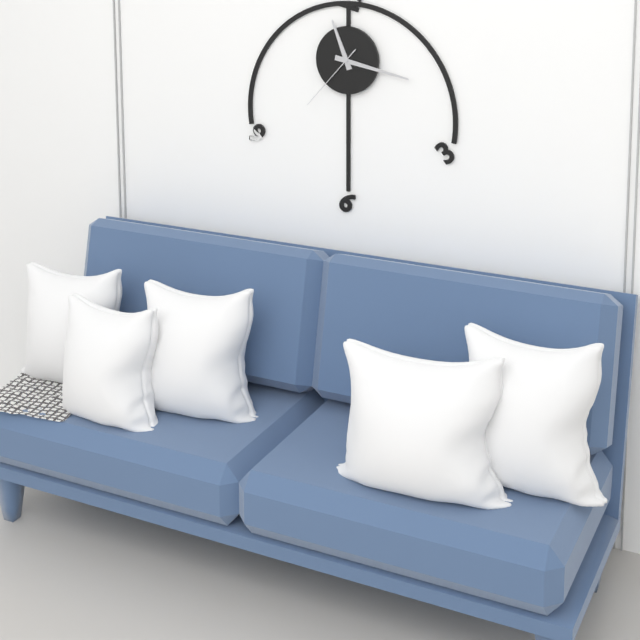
11:17:37
